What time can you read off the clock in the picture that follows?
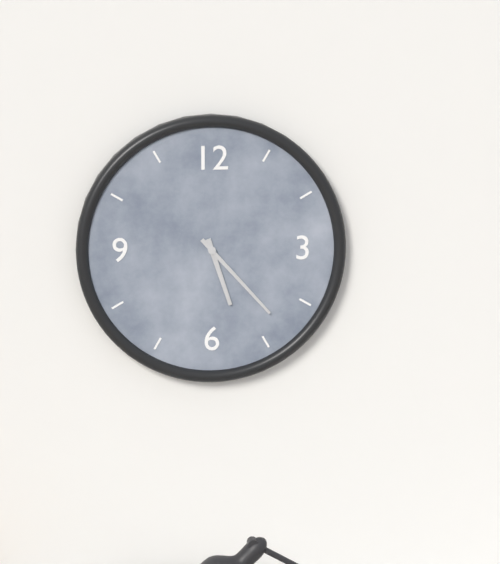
5:23
